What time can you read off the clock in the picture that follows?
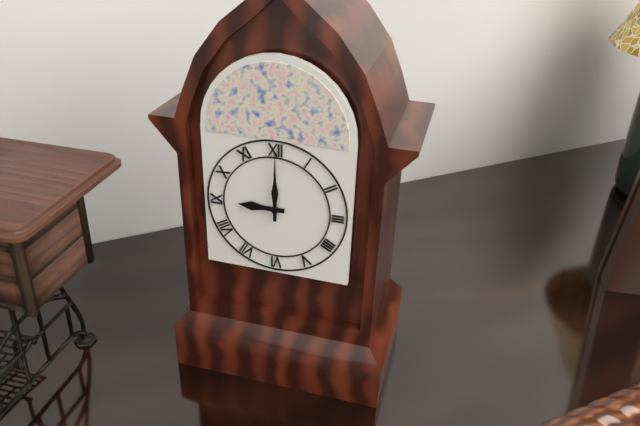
9:00
